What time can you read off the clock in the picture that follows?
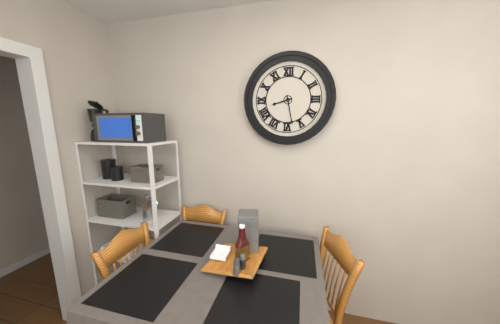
8:28
